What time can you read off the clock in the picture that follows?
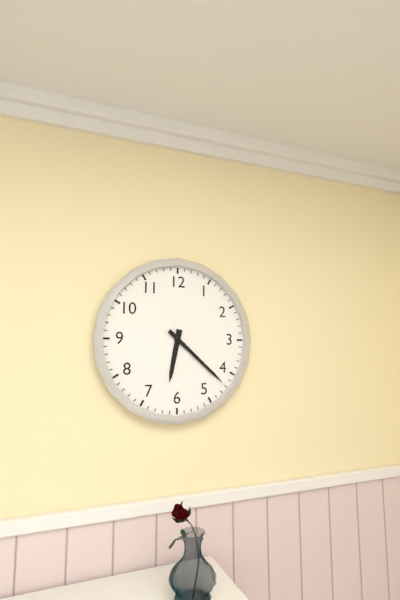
6:22
